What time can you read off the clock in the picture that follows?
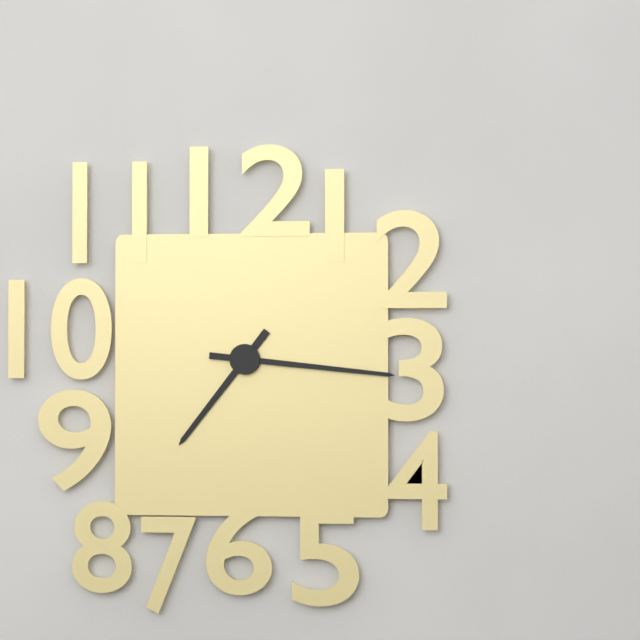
7:16
